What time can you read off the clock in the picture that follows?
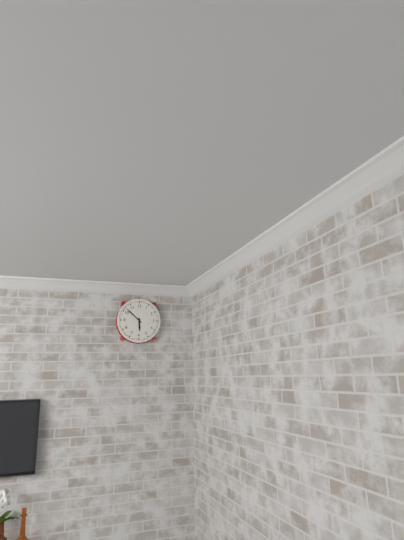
5:52
